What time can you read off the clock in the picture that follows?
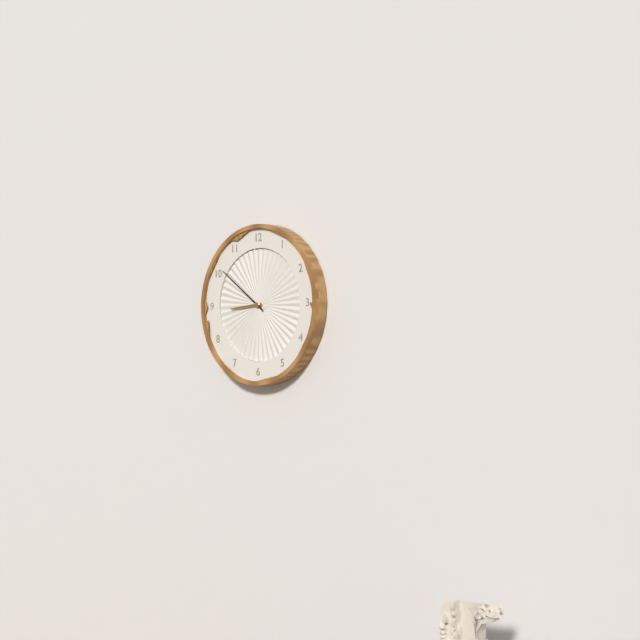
8:51
